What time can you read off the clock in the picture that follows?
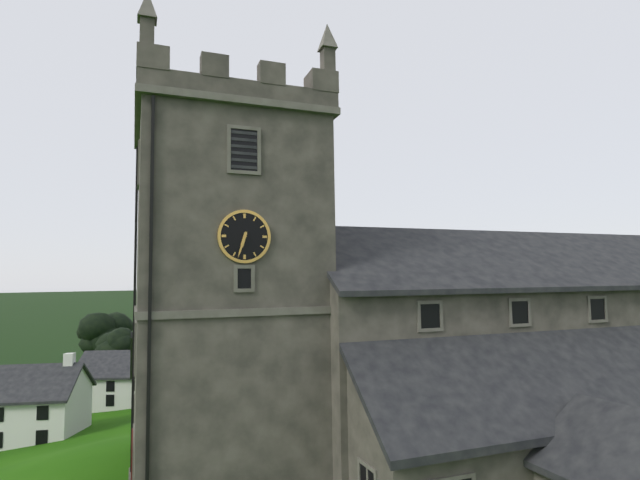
6:33
